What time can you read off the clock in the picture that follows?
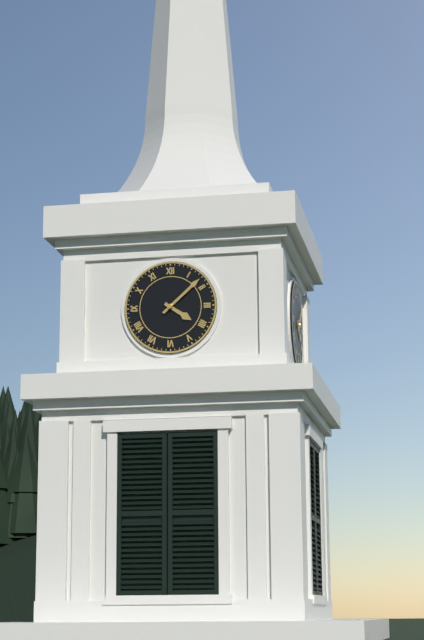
4:08
